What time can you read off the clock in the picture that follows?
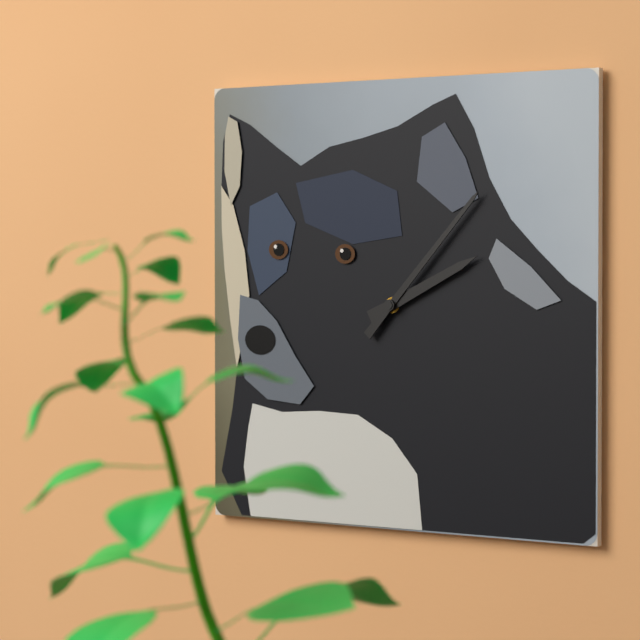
2:07
